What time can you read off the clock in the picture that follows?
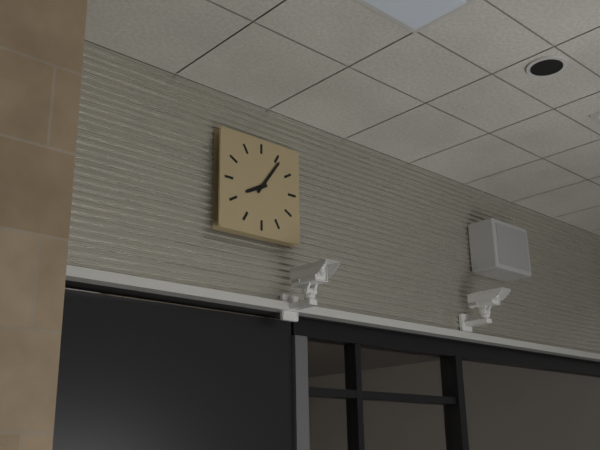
8:06
